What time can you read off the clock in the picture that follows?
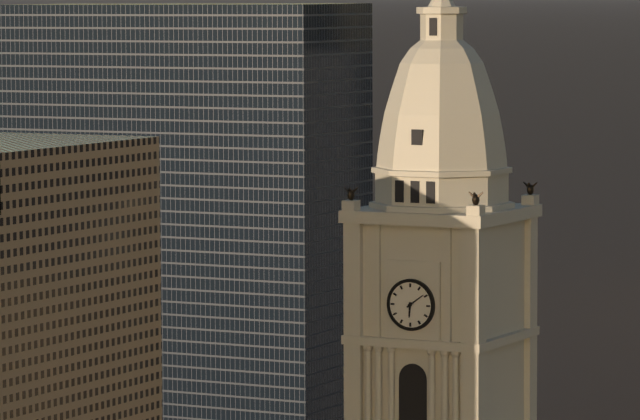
6:09
